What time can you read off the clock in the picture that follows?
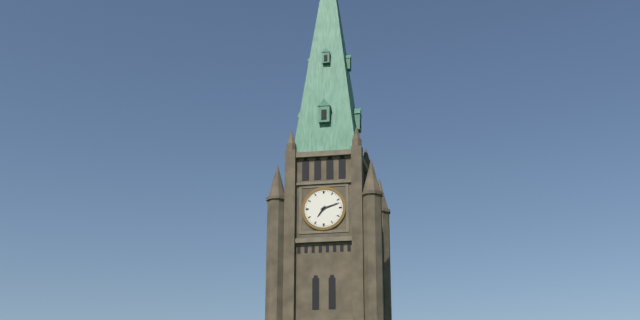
7:12
